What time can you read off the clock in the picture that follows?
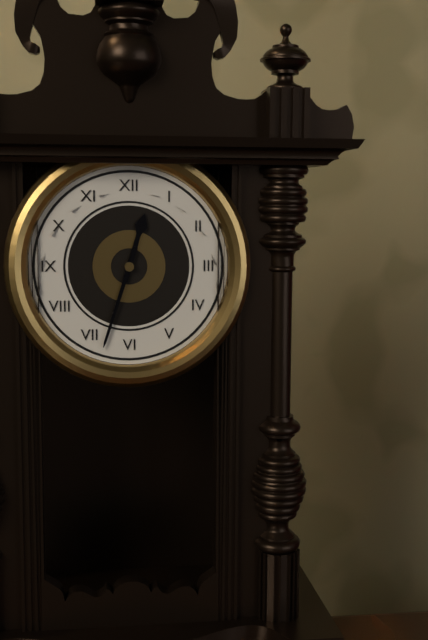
12:33
